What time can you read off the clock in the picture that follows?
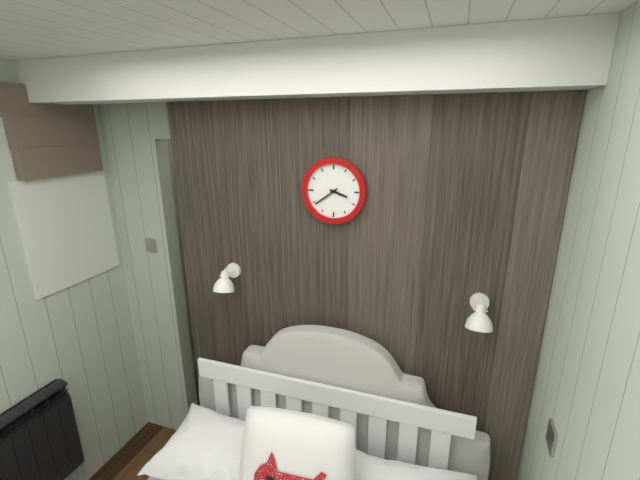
3:39
